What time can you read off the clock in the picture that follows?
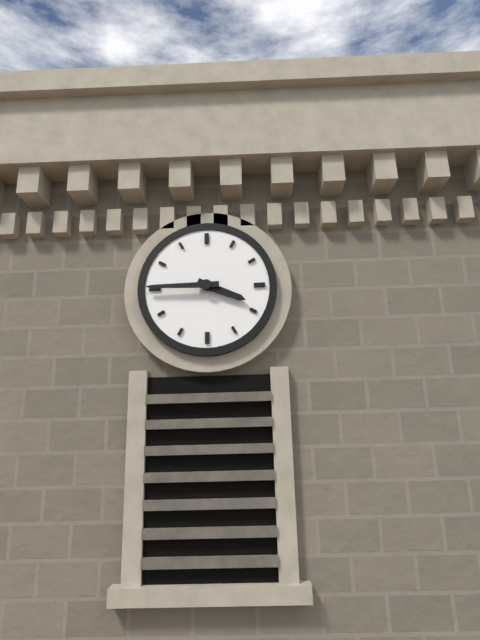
3:45
